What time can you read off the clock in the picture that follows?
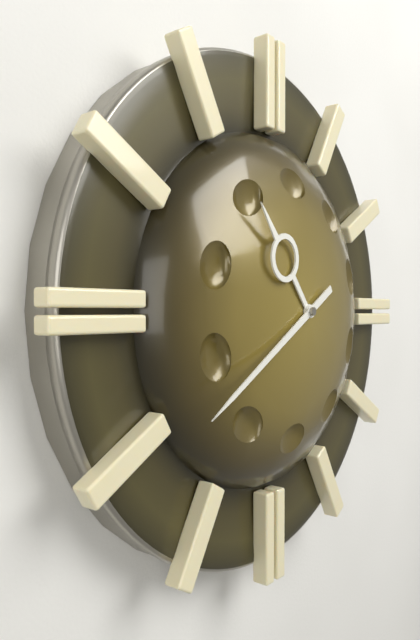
10:40
